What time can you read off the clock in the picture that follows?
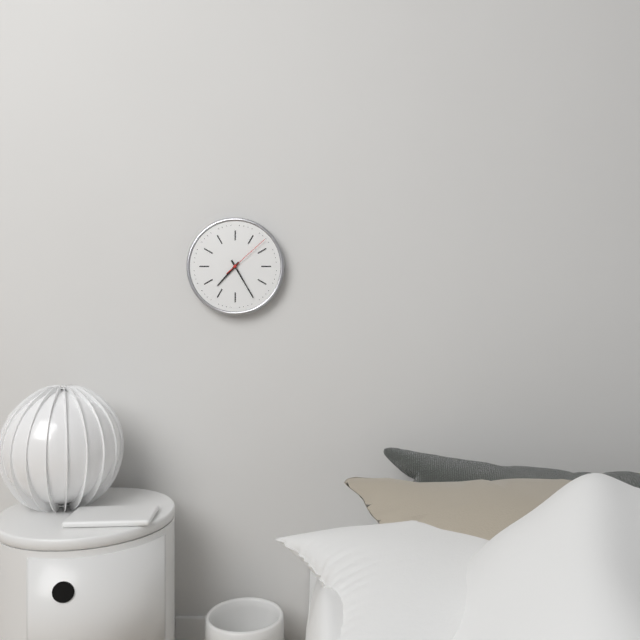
7:25:08
